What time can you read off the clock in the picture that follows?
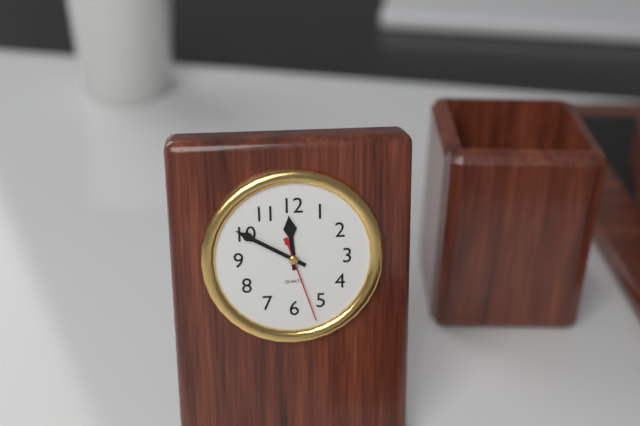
11:50:27
